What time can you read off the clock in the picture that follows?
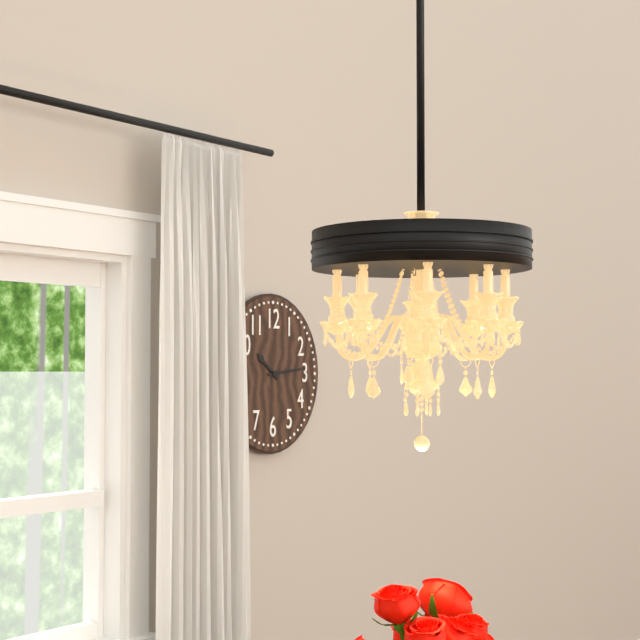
10:14
